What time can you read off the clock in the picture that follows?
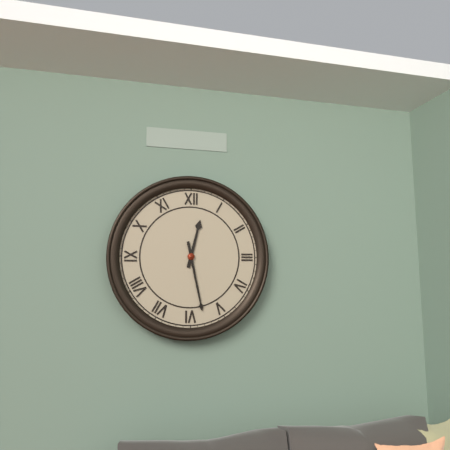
12:28
